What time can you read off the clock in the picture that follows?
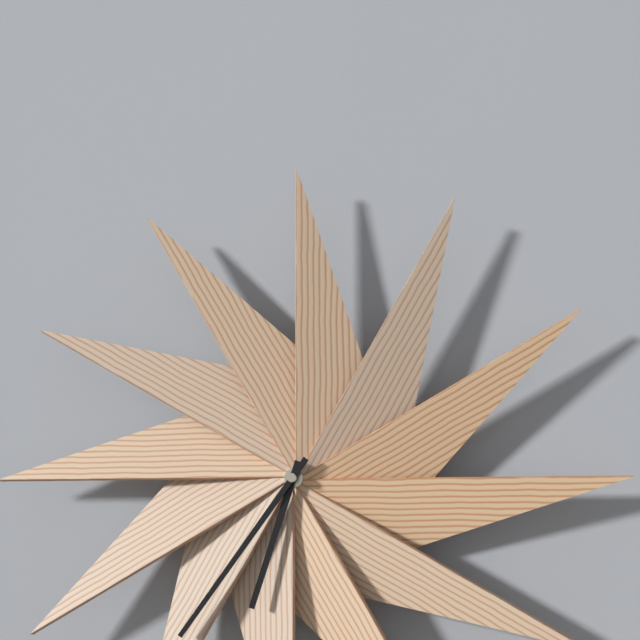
6:36
